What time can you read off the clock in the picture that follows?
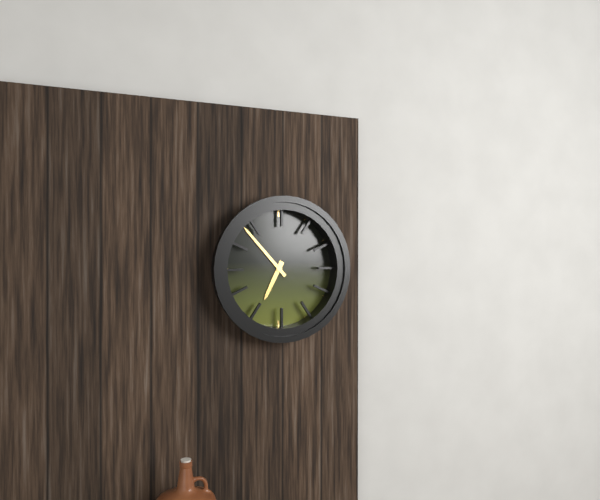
6:53
